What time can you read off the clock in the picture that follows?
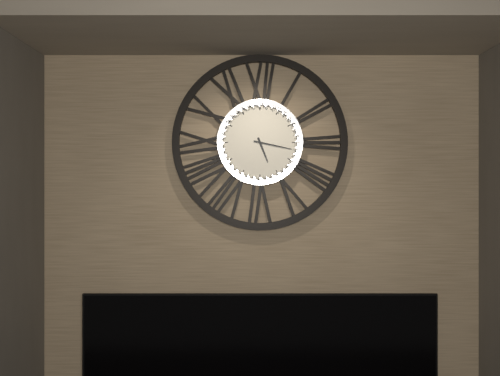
5:17
